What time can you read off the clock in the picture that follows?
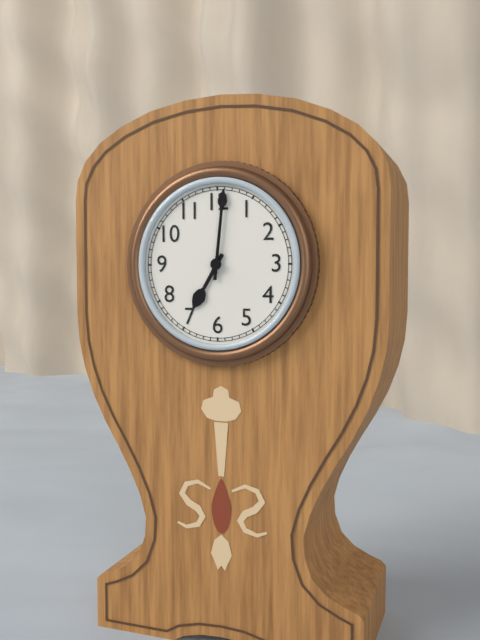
7:01
